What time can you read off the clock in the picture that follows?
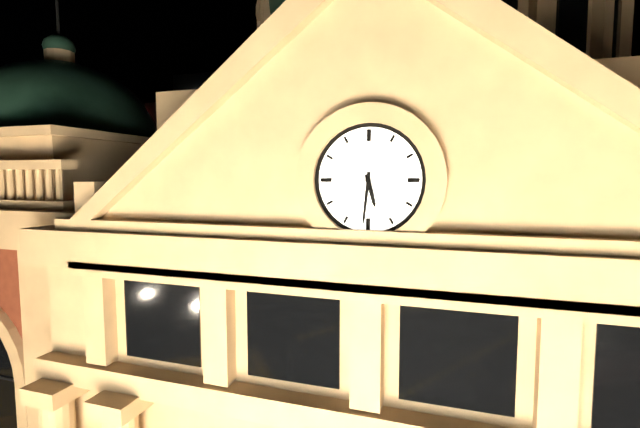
5:31
